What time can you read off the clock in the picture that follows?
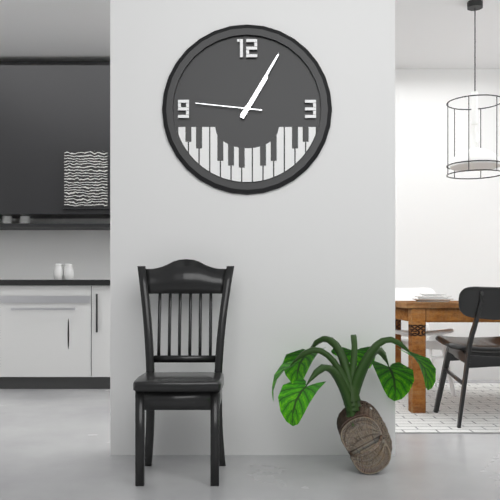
1:05:46
